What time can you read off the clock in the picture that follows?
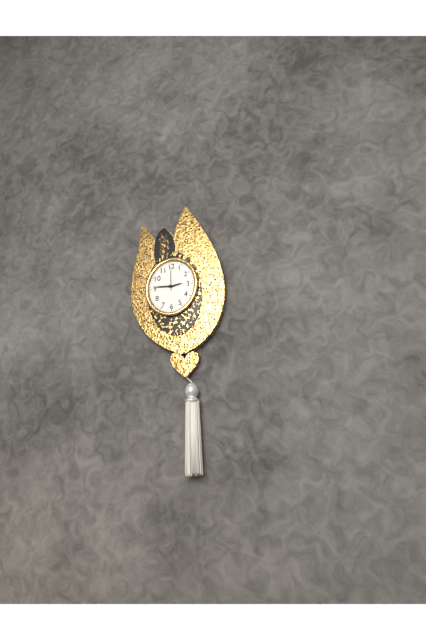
2:46
